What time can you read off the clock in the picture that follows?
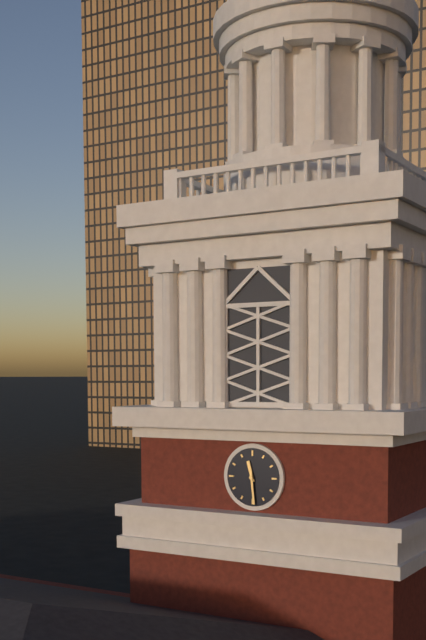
11:29
